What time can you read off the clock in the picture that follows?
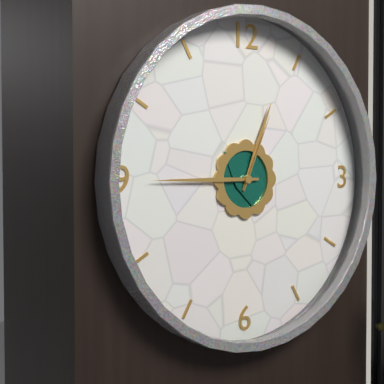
12:45:04
